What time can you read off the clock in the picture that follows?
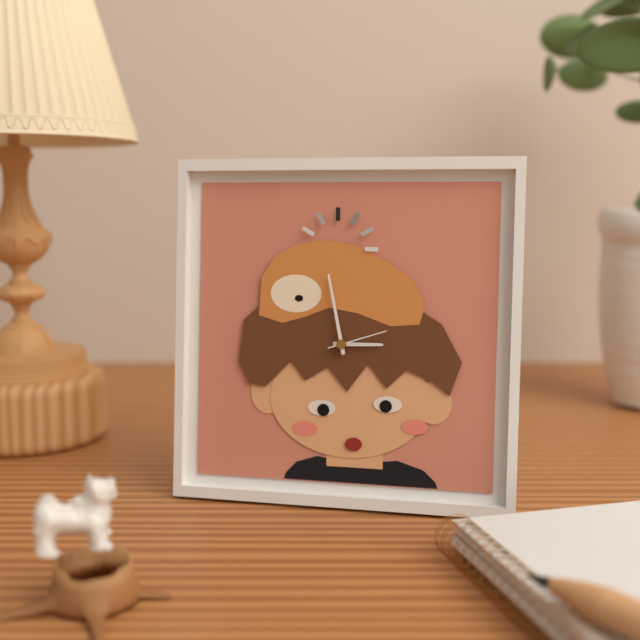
2:58:12
